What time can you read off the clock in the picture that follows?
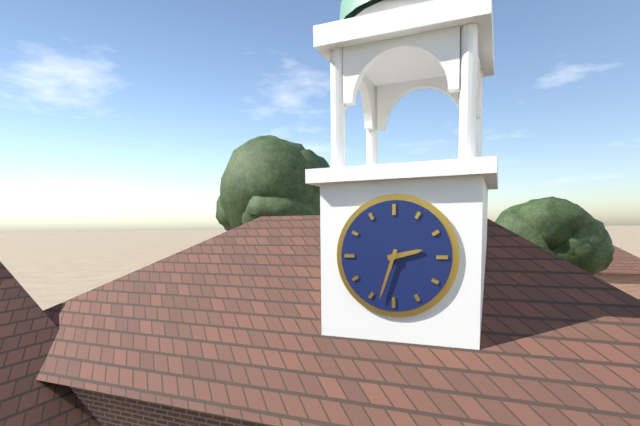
2:33
